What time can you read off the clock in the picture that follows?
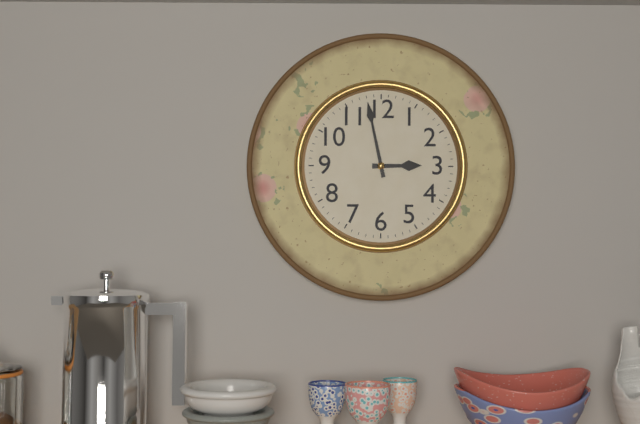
2:58
